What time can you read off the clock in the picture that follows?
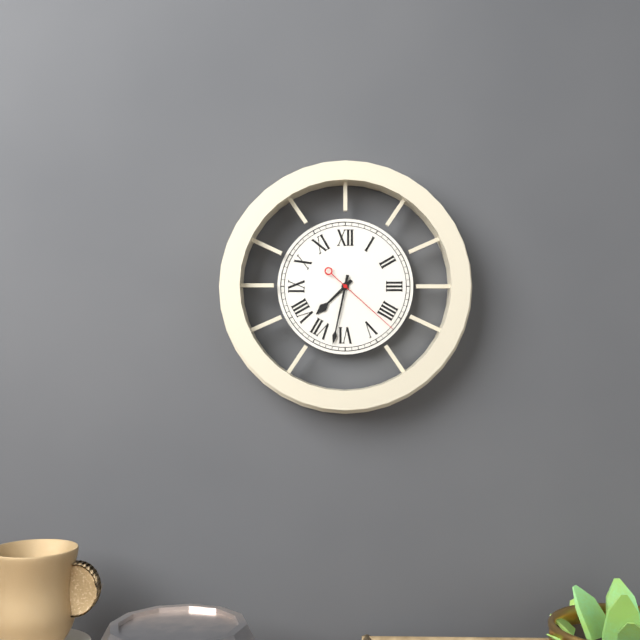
7:32:22
